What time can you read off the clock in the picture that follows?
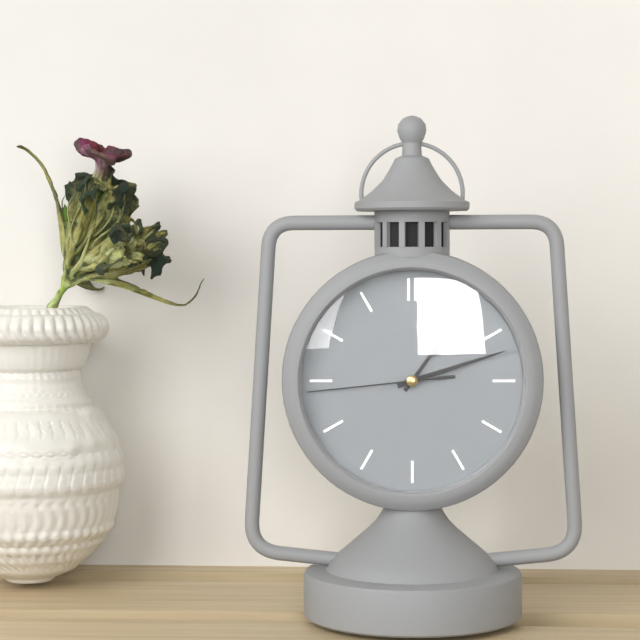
1:12:44
